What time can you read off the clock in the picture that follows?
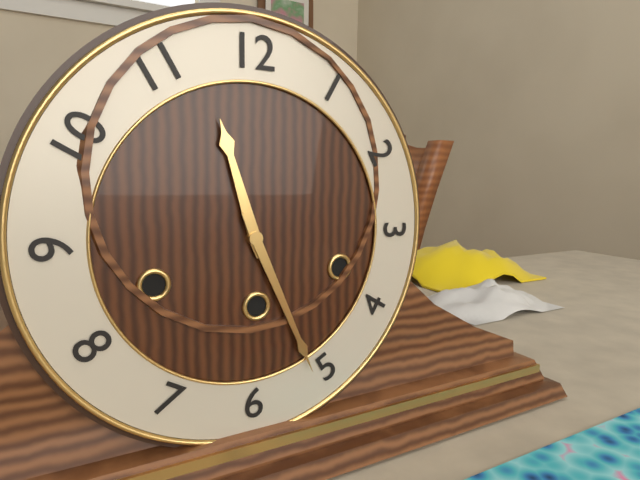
11:26
